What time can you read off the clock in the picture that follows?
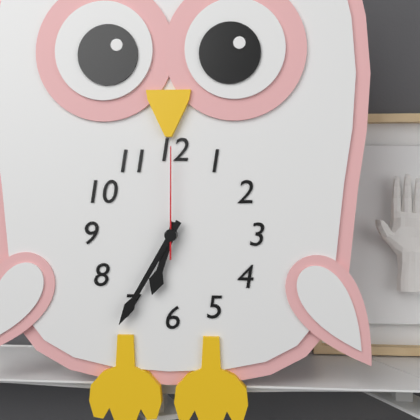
6:35:00
